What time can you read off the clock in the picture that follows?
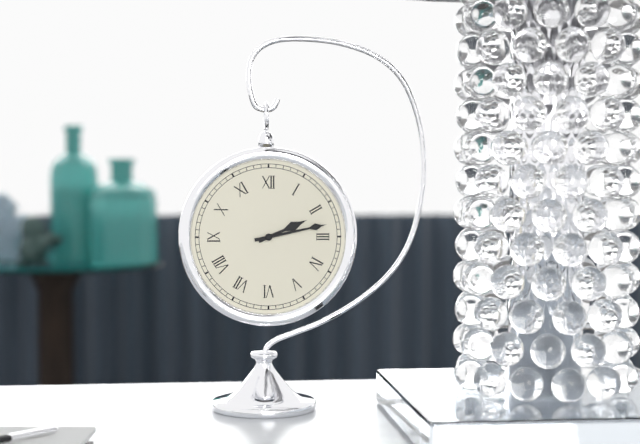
2:13
